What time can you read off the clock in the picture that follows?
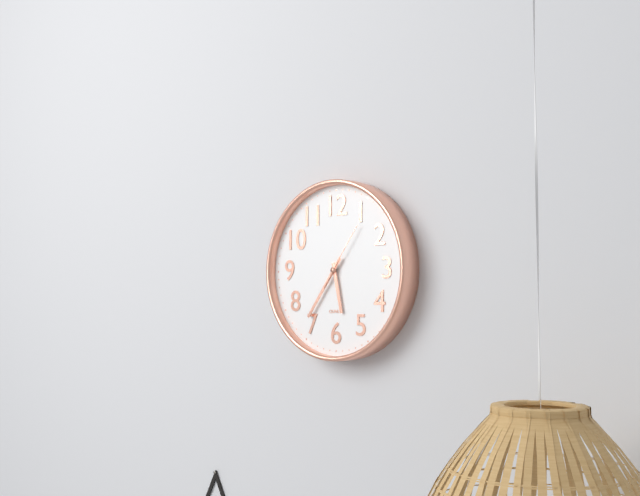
5:36:06
